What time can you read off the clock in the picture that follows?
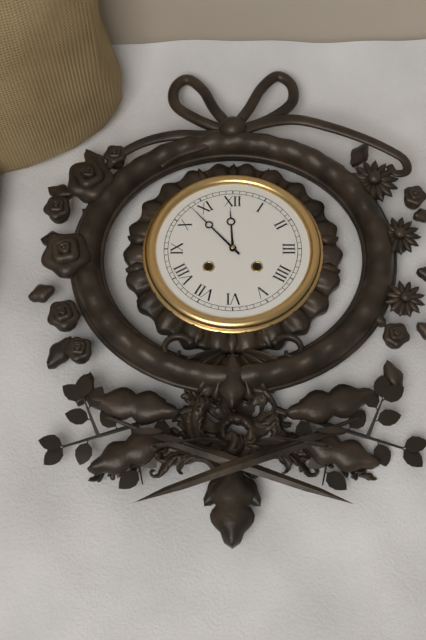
11:53
